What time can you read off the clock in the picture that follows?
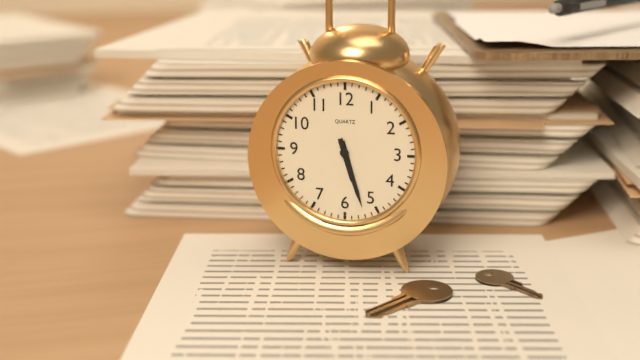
5:27
